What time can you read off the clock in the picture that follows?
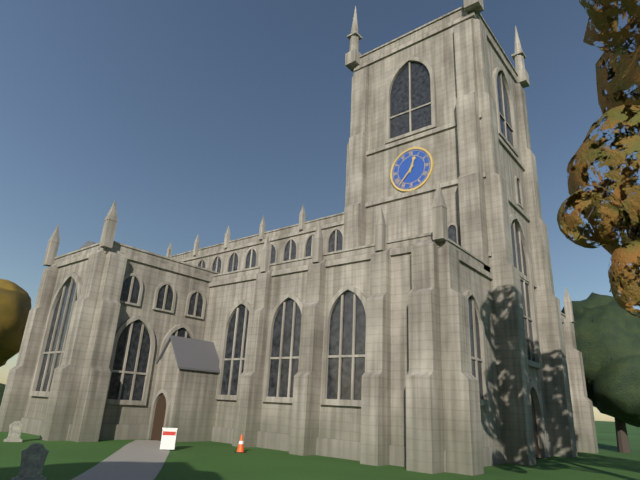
12:37
